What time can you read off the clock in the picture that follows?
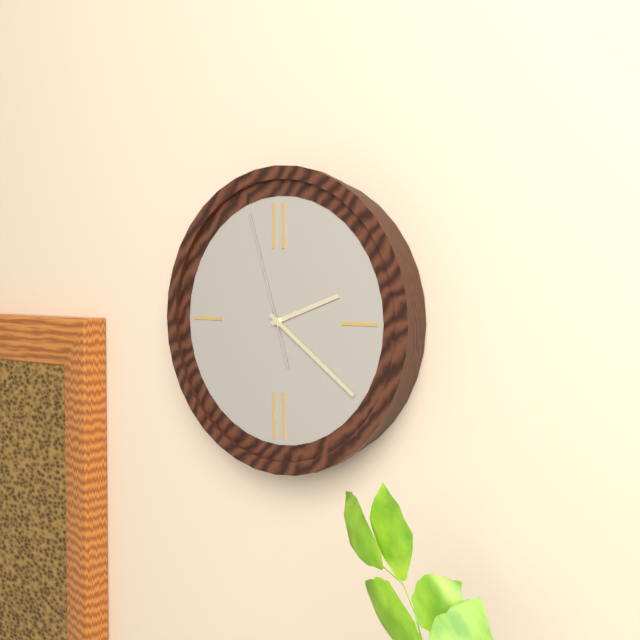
2:21:57
